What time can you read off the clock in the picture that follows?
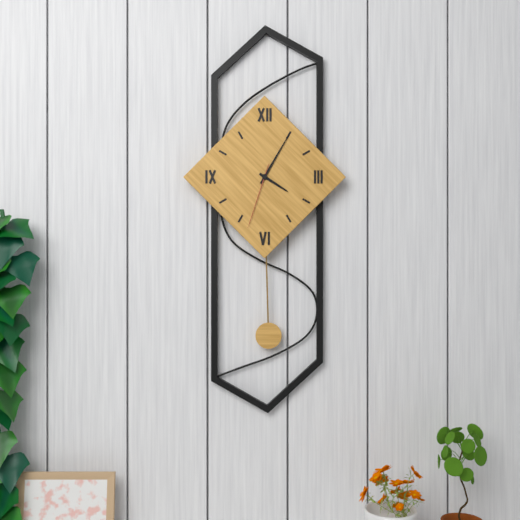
4:05:33
